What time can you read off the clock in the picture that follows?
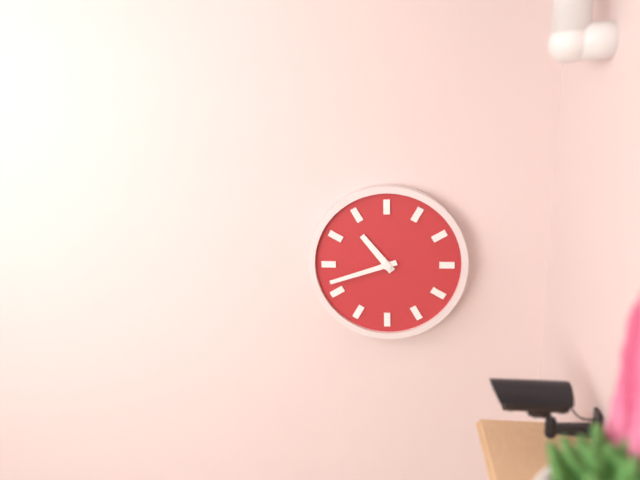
10:42
